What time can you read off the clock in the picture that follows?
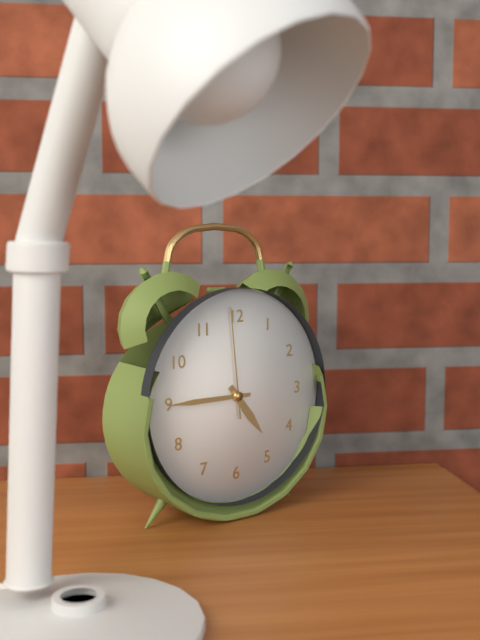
4:45:59
